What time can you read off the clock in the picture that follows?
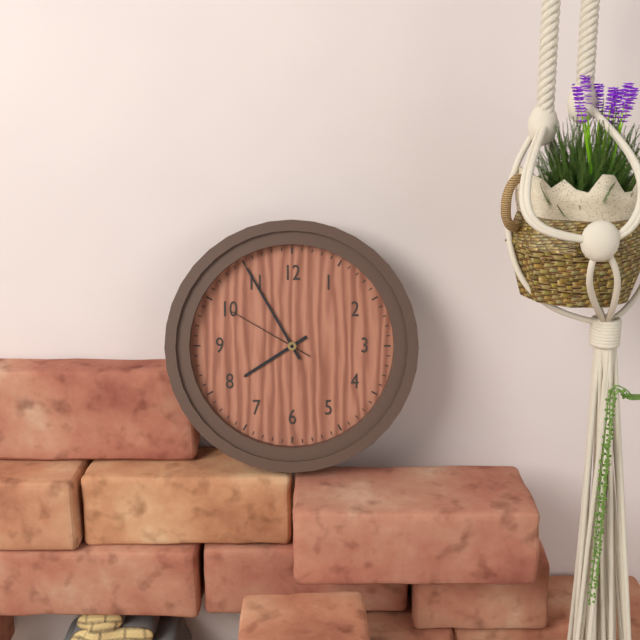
7:55:50
